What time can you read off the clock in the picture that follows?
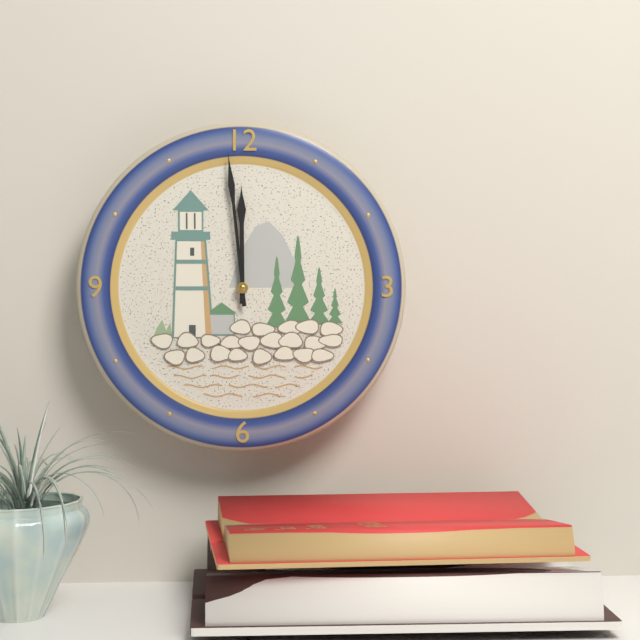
11:59
